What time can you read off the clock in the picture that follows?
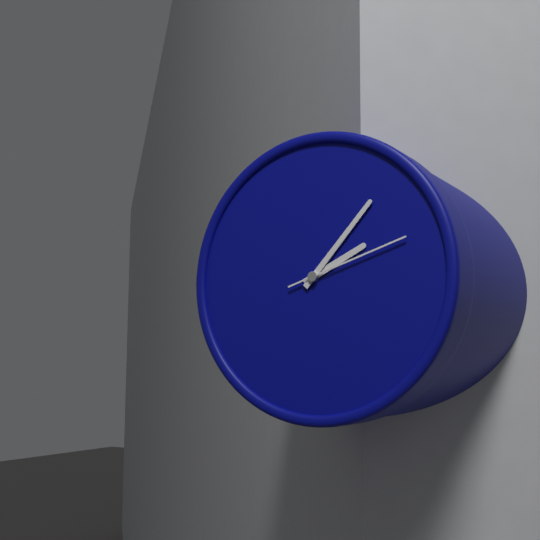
2:07:12
